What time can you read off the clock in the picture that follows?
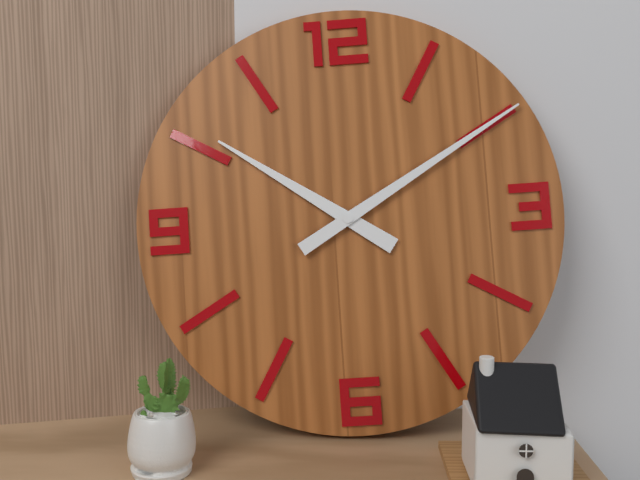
10:10
